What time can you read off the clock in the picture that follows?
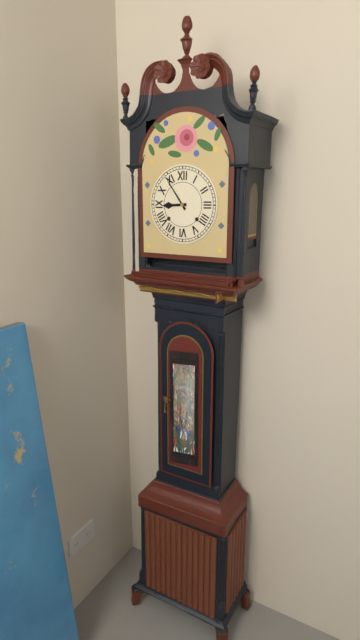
8:54
